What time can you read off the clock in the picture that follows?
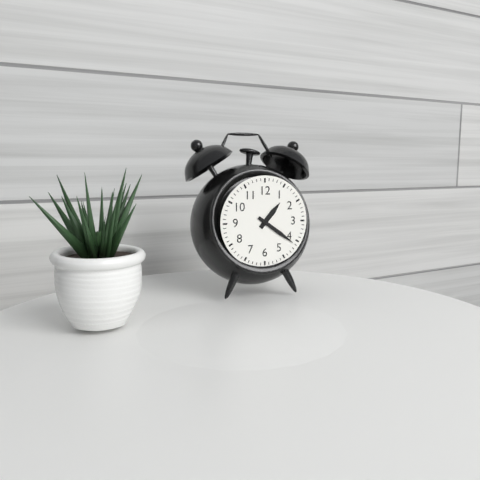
1:21
